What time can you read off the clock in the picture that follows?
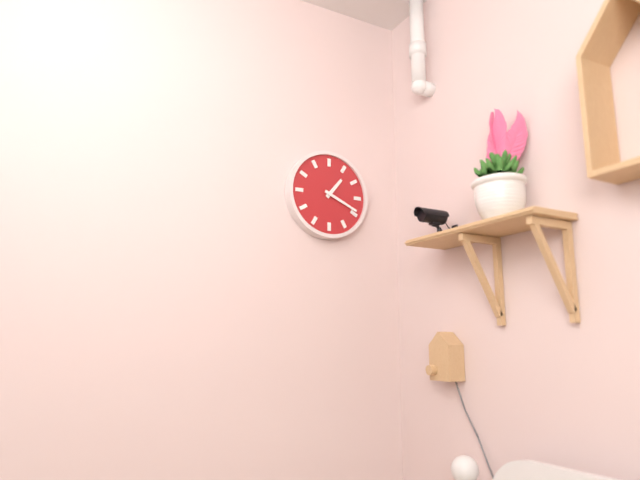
1:19
